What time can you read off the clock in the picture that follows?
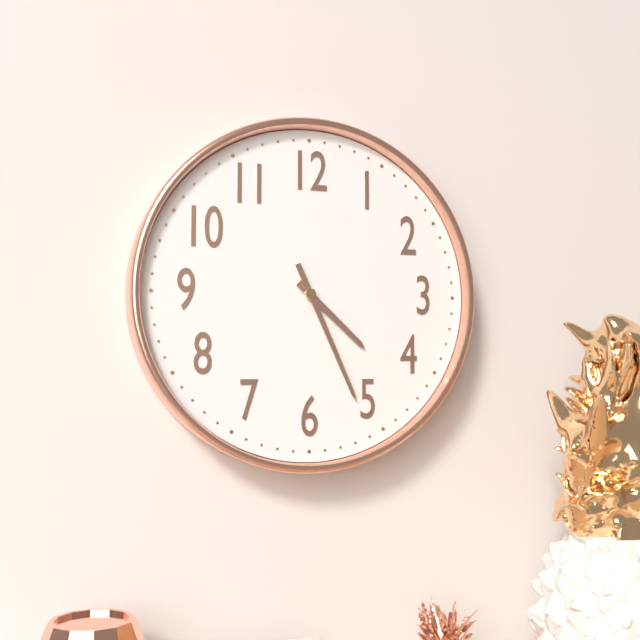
4:26
